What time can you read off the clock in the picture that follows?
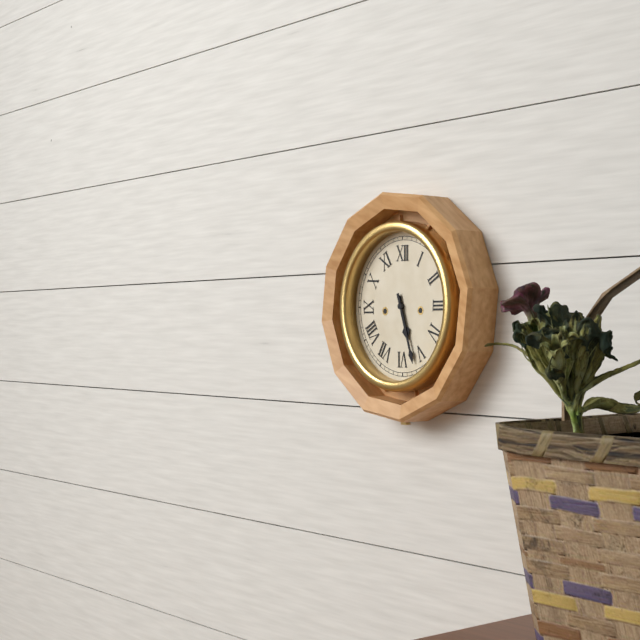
5:27
